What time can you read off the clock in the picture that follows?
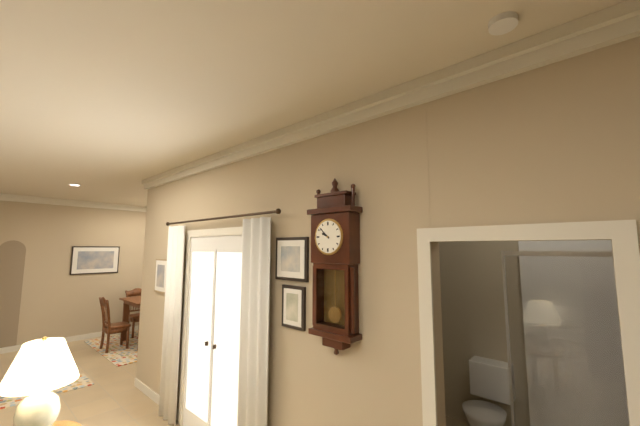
9:52
